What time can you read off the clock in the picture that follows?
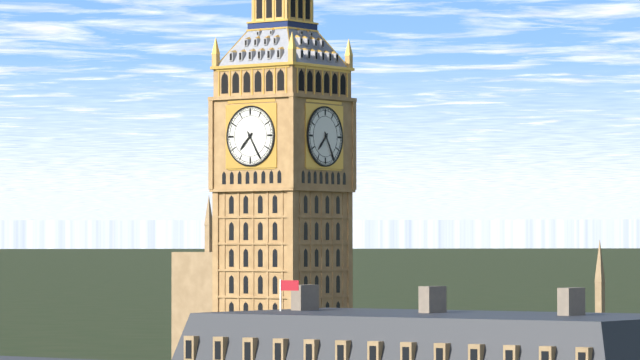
7:25
